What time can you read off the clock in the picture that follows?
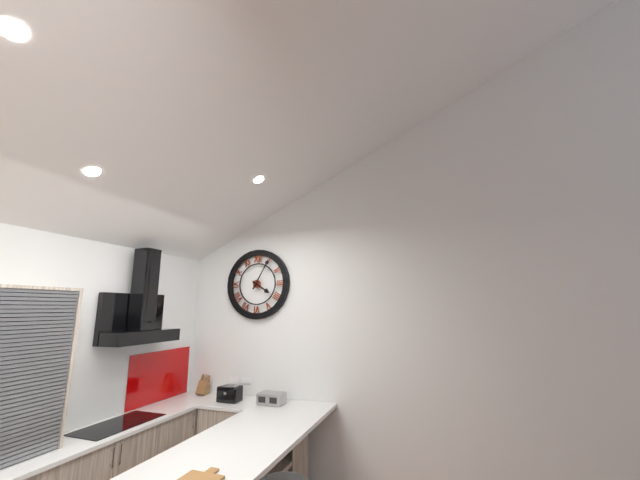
4:05
